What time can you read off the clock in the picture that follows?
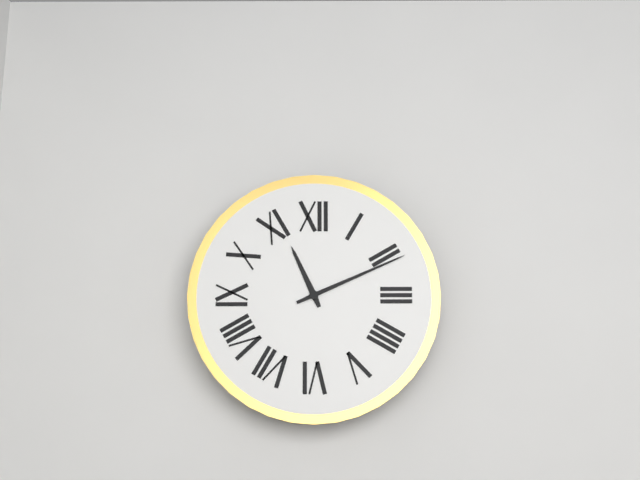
11:11
